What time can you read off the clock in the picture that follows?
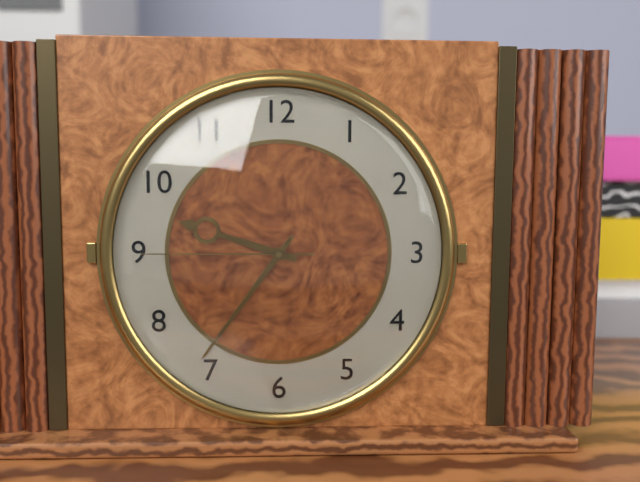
9:36:45
